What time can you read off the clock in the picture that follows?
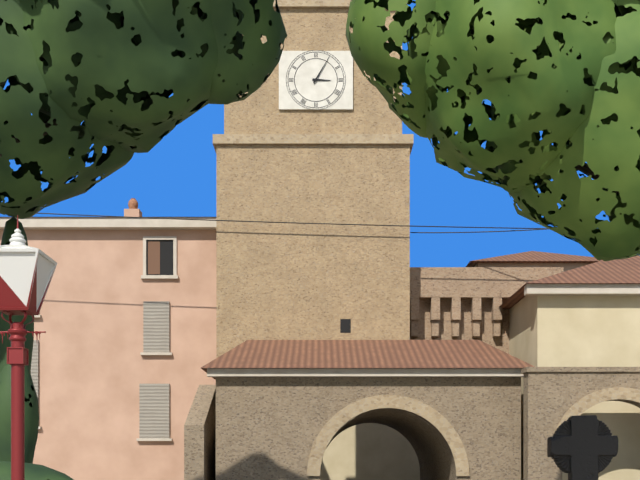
3:05
